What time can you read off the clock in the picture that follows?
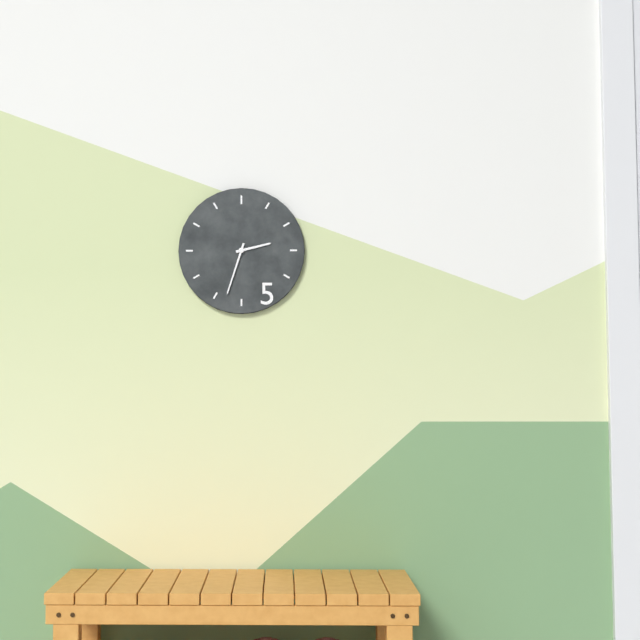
2:33
